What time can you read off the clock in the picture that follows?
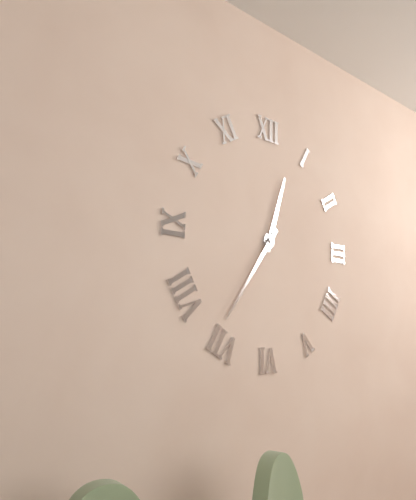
12:36
